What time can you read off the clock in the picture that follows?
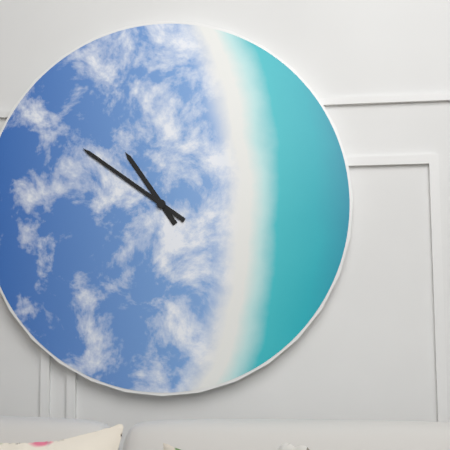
10:51
